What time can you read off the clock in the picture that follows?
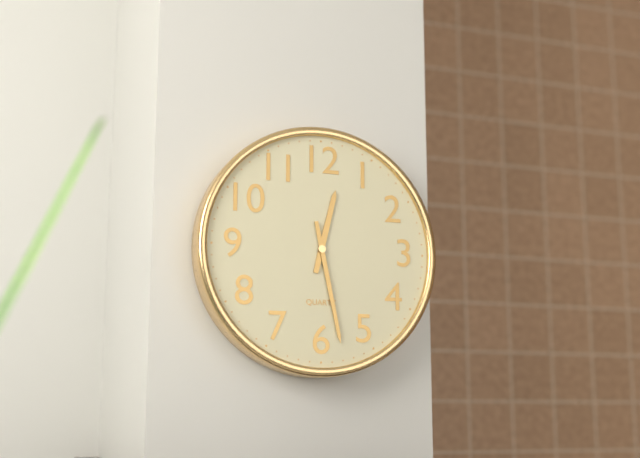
12:28
